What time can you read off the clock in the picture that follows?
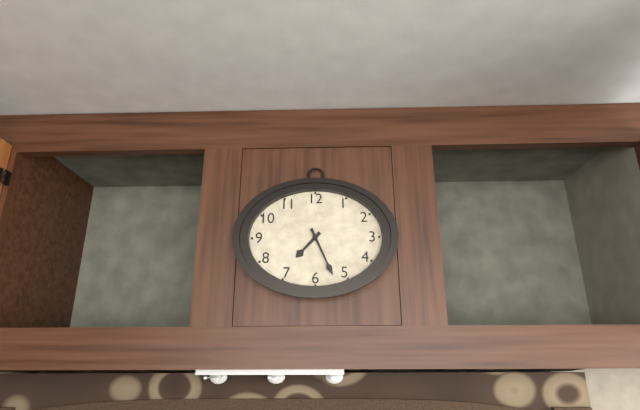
7:26
